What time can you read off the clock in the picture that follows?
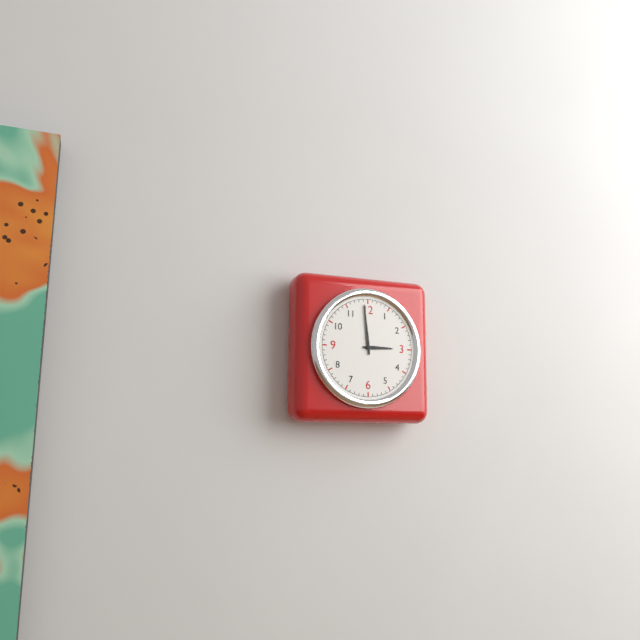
2:59
